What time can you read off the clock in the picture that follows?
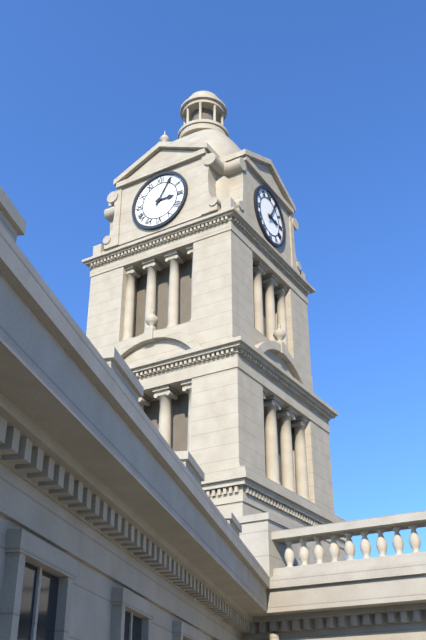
3:05
